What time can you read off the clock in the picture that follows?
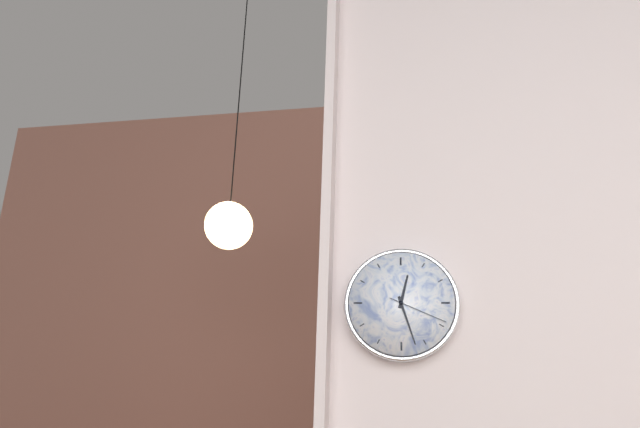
12:27:19
